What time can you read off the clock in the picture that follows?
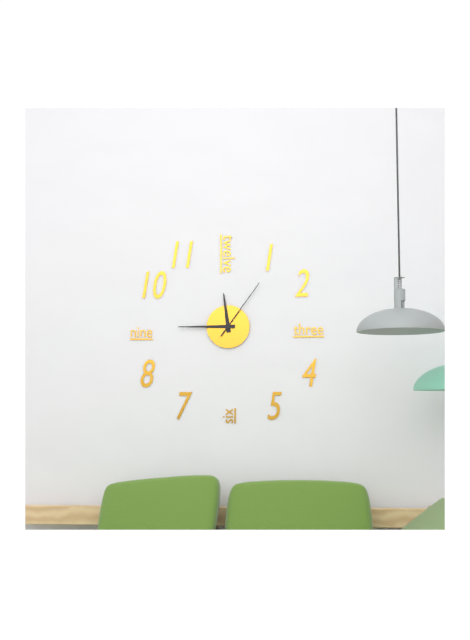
11:45:06
